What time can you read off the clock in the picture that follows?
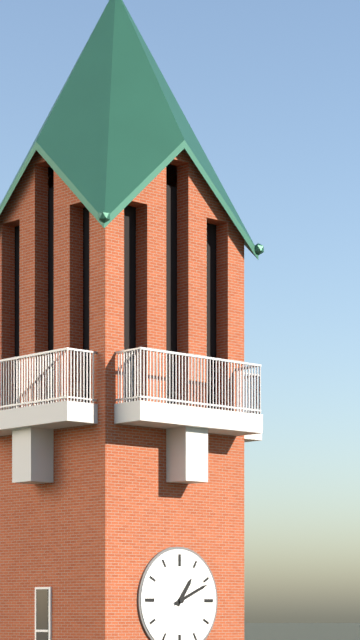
1:11
